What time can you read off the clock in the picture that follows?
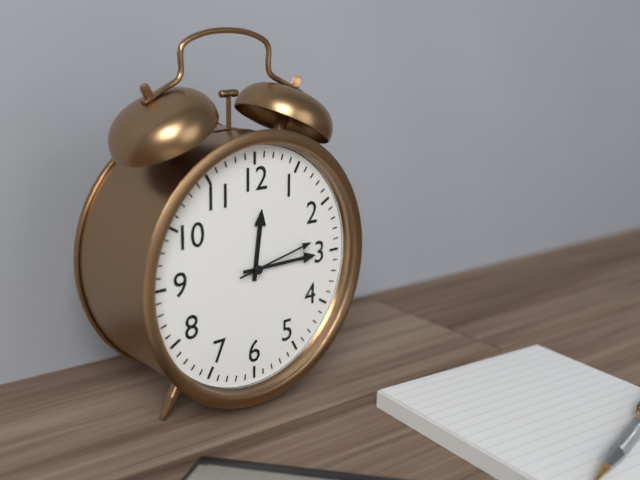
12:15:13
